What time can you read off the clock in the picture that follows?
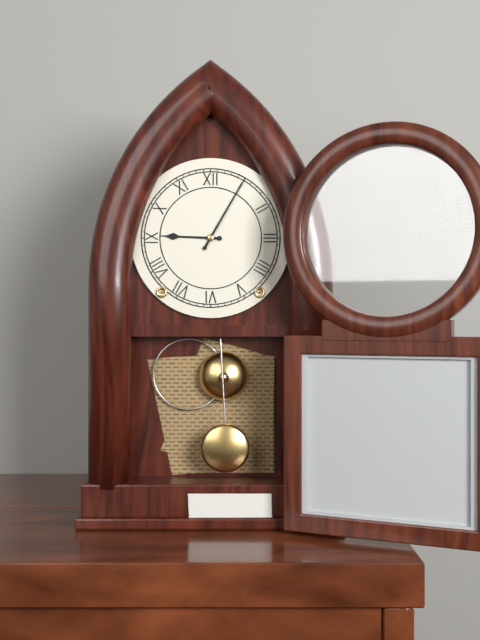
9:05
